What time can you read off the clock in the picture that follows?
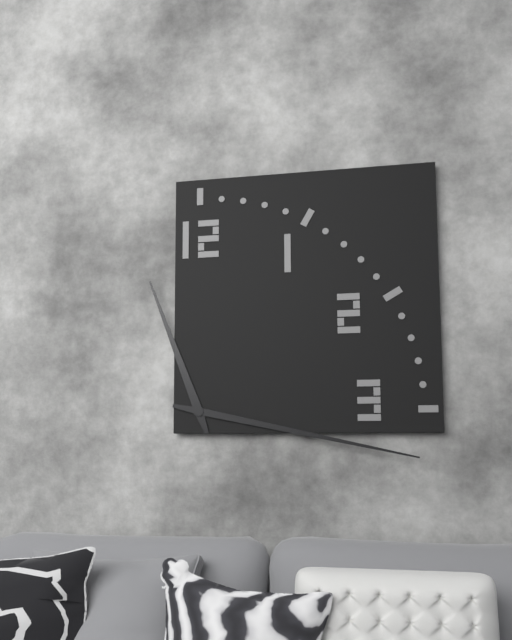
11:17
